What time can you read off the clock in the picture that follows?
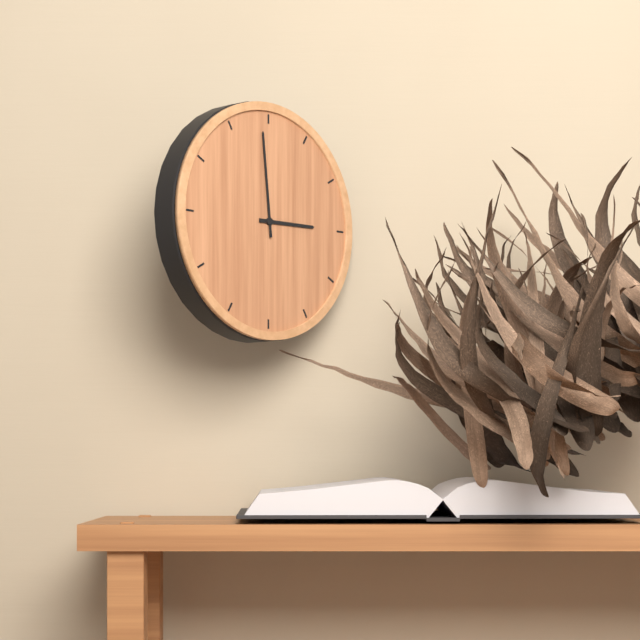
2:59
